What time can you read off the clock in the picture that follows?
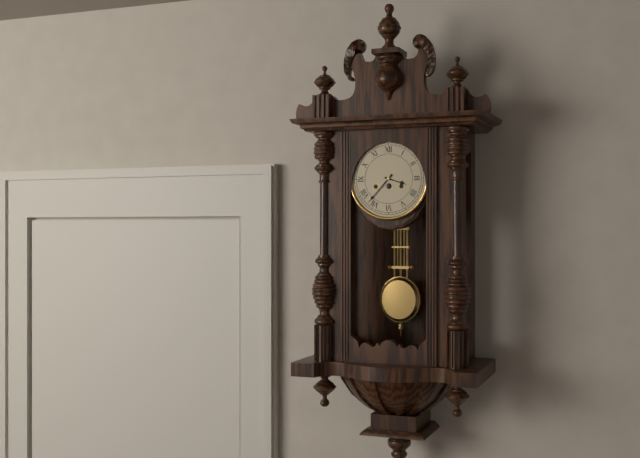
3:37
